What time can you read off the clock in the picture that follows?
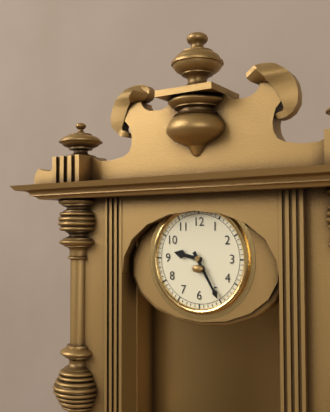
9:25
